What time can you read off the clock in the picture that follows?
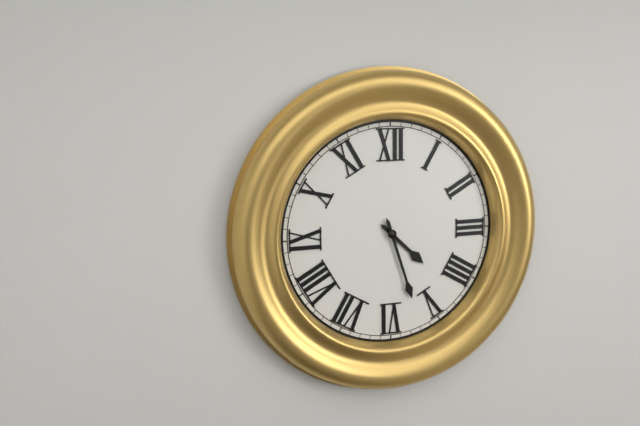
4:27
